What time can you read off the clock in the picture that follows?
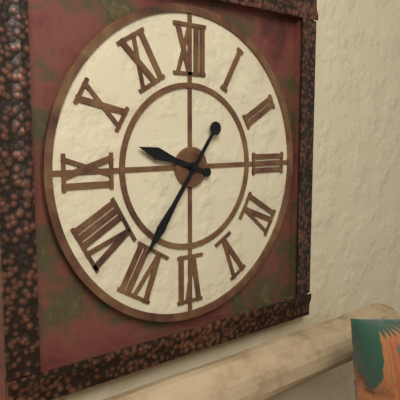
9:36
